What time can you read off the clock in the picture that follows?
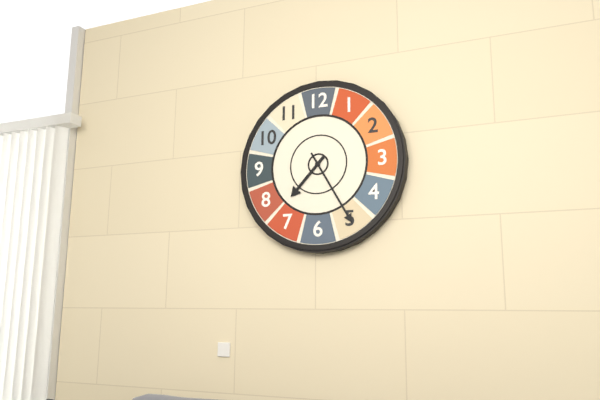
7:25
